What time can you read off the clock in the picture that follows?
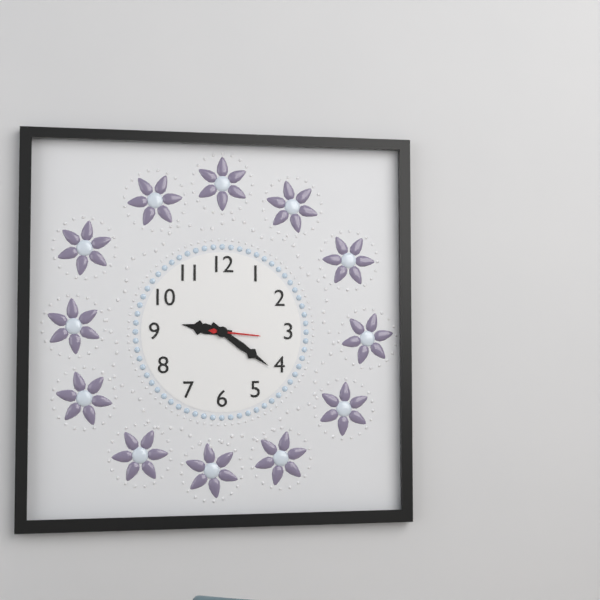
9:21
